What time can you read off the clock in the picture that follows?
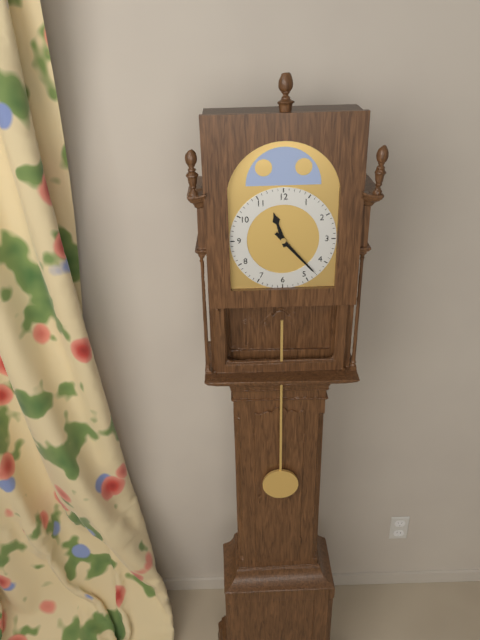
11:23
